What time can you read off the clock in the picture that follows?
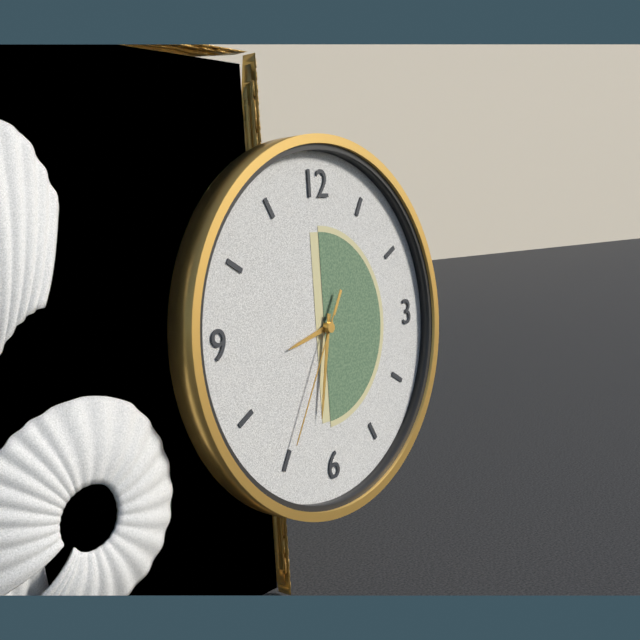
8:32:35
